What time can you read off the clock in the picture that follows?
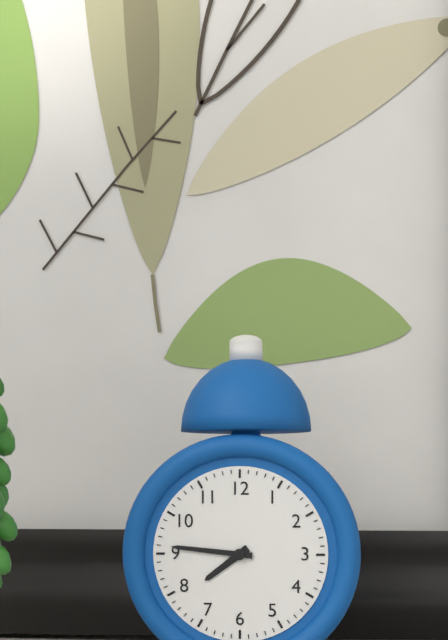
7:46
